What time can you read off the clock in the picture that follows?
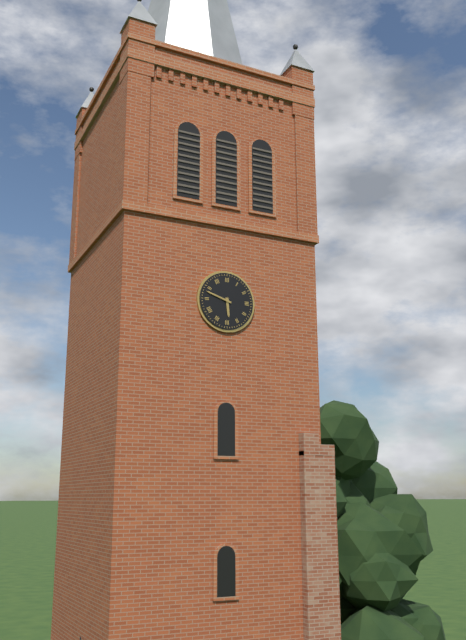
5:48
